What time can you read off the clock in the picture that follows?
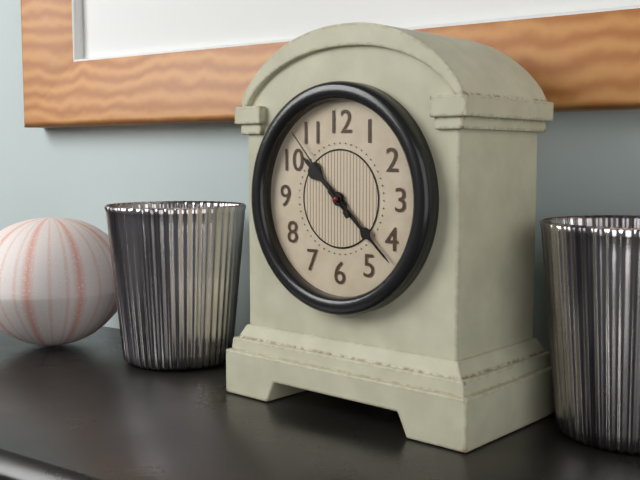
10:22:53
